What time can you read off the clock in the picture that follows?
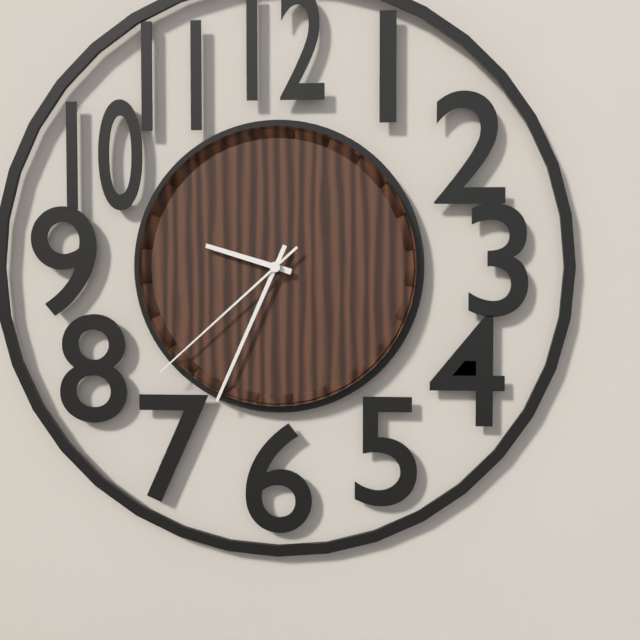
9:34:38
